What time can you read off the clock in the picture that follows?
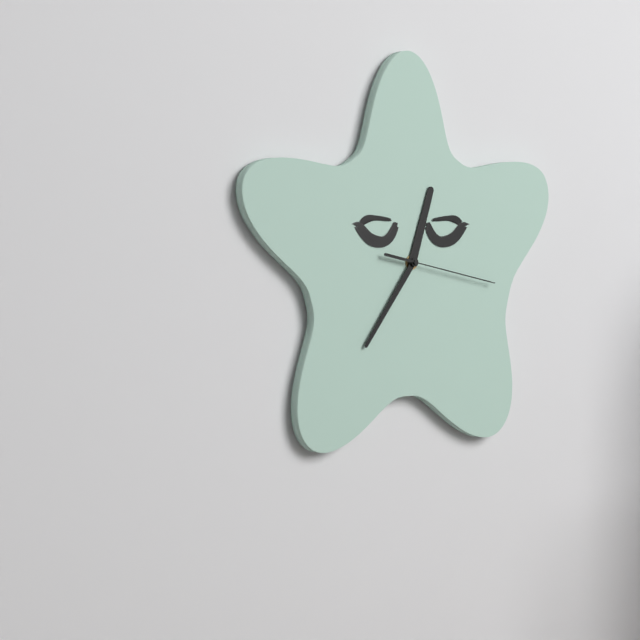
12:36:17
